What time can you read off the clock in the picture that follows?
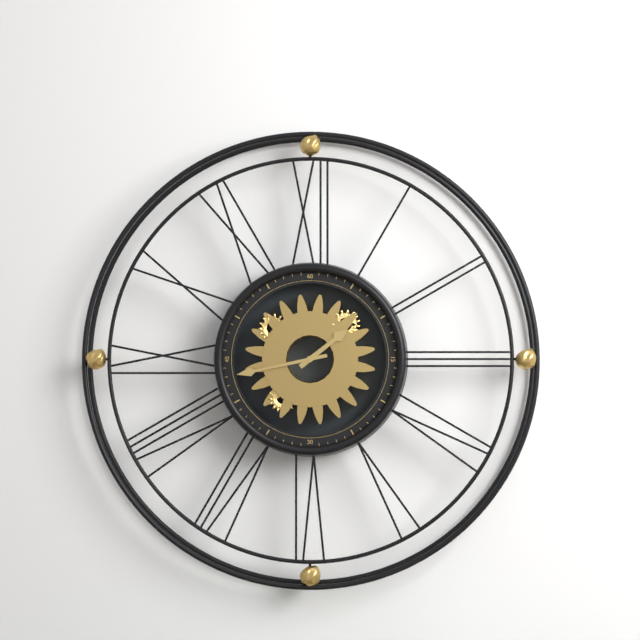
1:43
